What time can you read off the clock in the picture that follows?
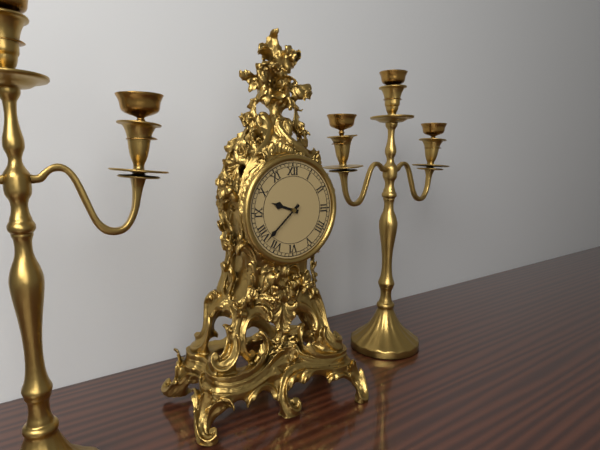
9:38
